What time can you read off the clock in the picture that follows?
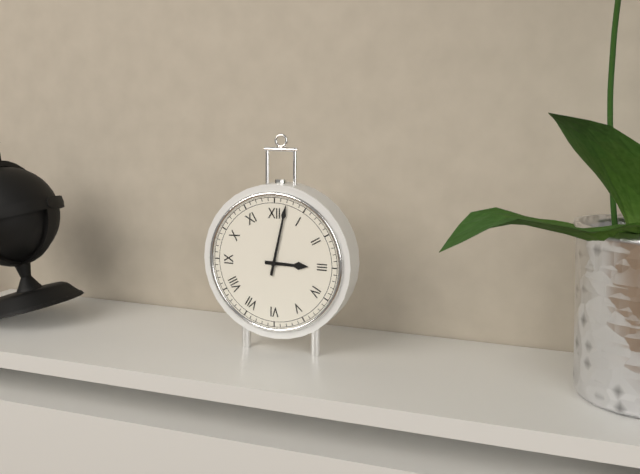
3:02
